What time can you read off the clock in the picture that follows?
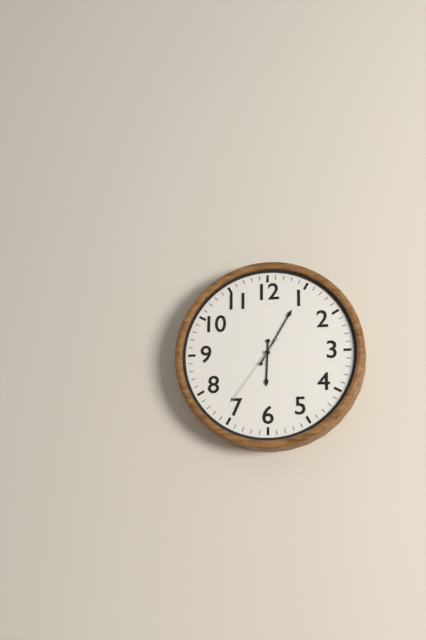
6:05:36
